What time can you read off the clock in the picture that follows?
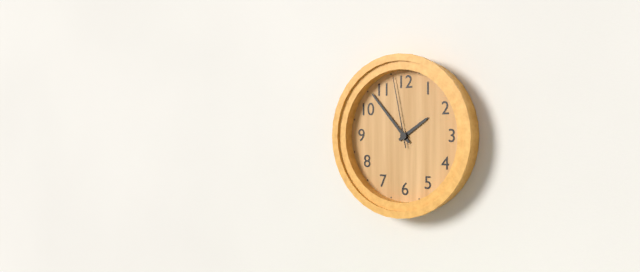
1:53:58
